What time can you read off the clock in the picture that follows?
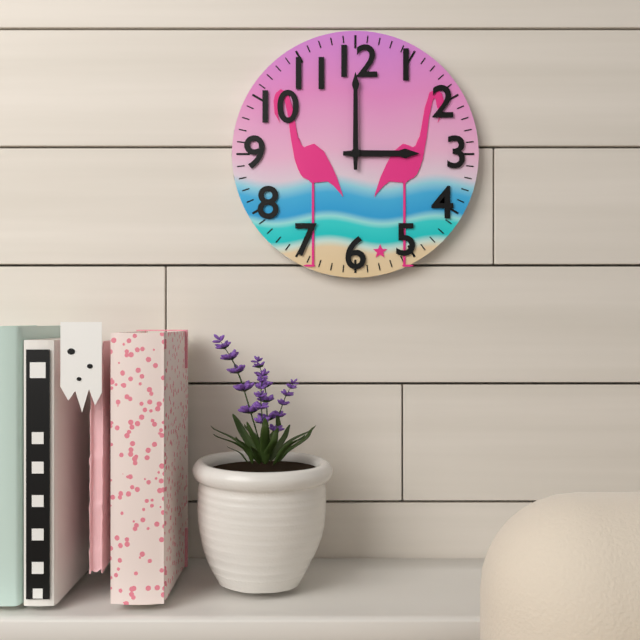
3:00
